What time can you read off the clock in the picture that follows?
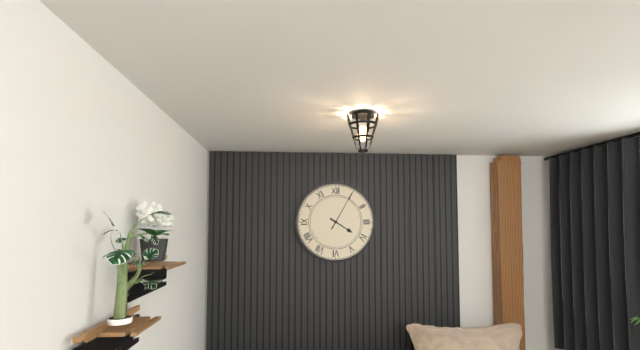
4:05
